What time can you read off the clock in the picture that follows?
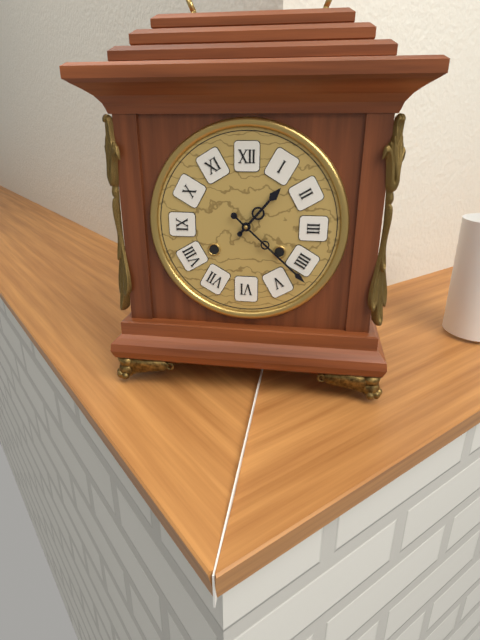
1:22
